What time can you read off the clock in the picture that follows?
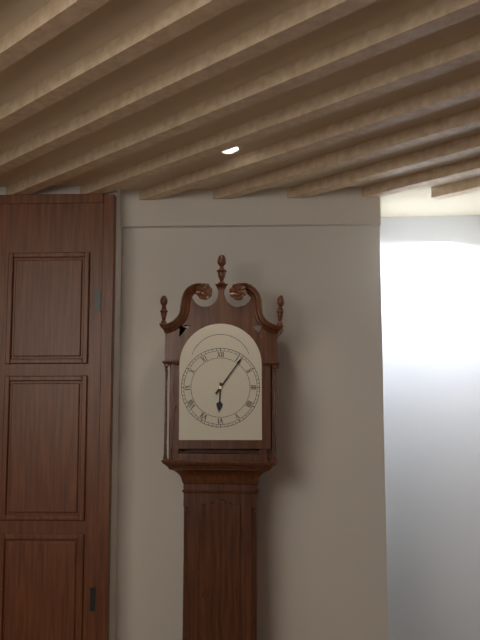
6:06
